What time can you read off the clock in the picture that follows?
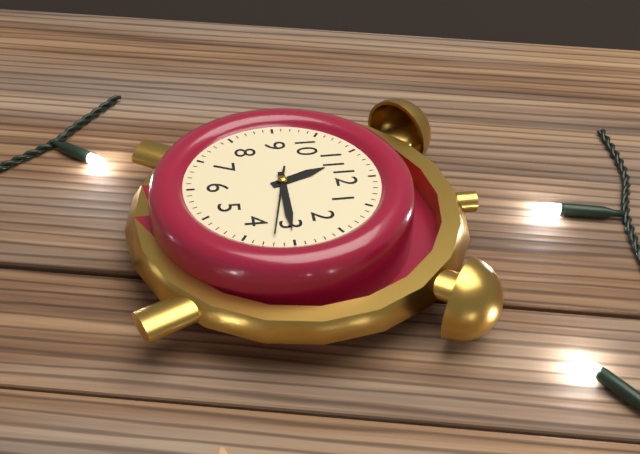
11:15:17
